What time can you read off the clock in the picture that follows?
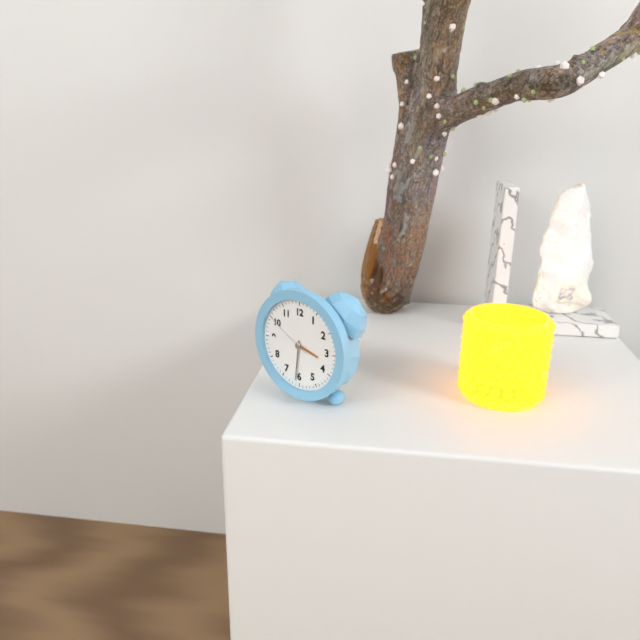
3:31
